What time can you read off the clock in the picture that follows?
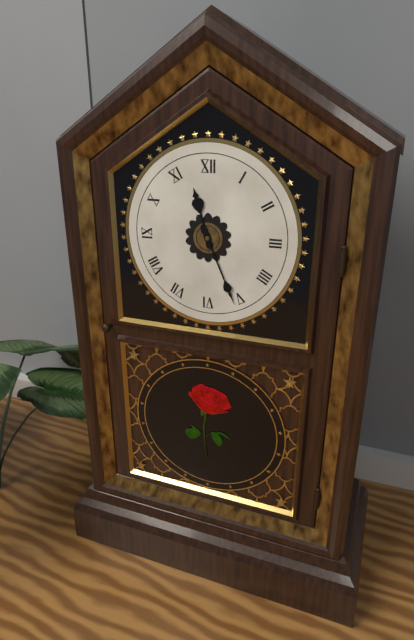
11:26
